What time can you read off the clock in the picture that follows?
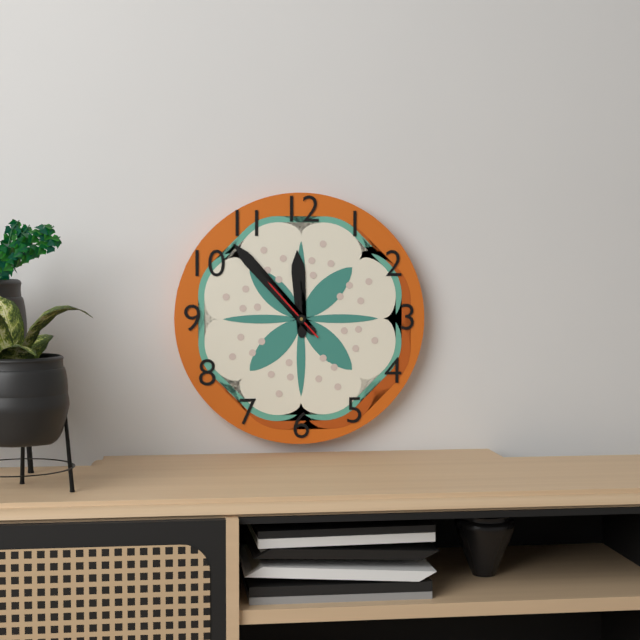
11:53:53
